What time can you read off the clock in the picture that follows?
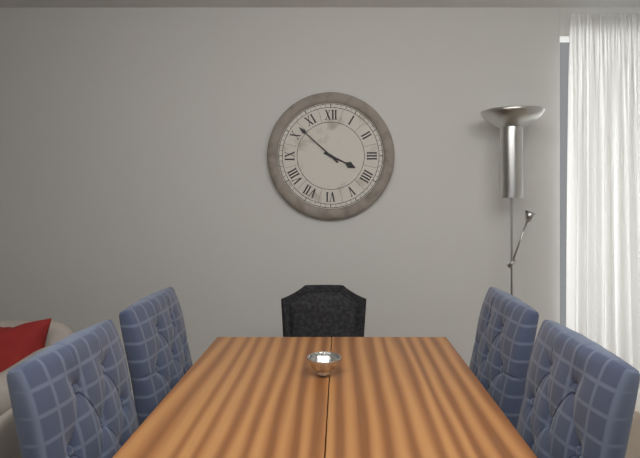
3:52
